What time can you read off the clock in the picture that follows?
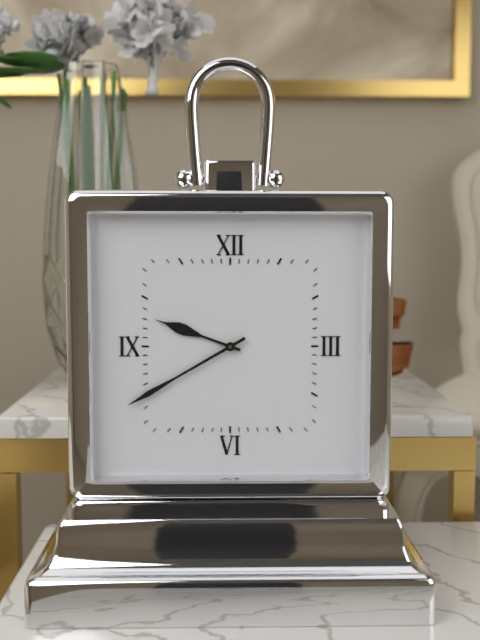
9:40
